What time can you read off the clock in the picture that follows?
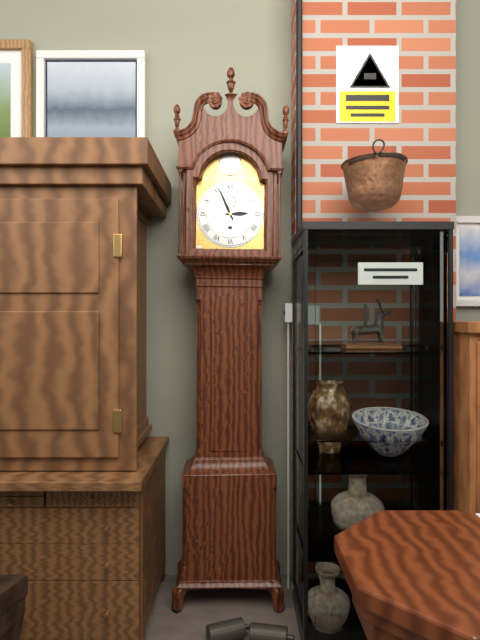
2:56
